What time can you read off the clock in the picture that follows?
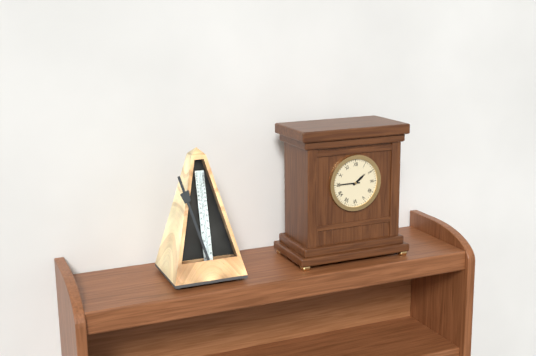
1:45
